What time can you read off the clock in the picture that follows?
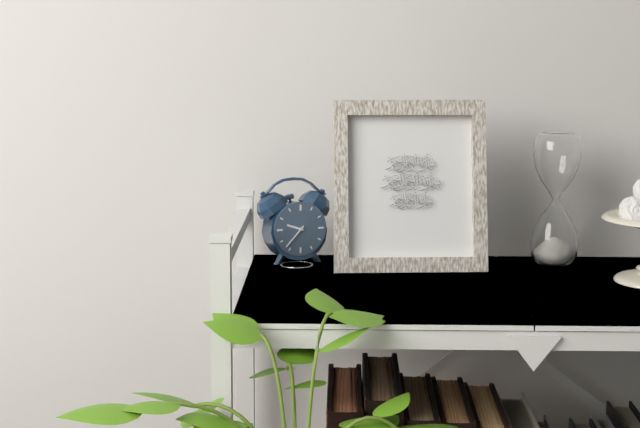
9:37
